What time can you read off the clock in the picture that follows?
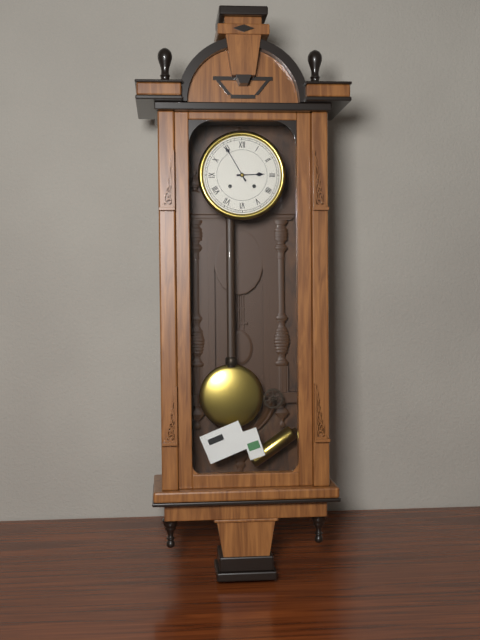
2:55
